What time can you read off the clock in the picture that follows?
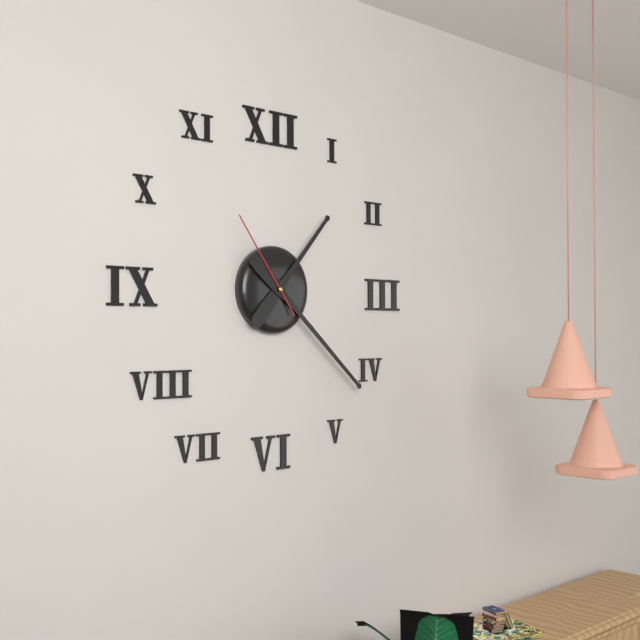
1:22:54
